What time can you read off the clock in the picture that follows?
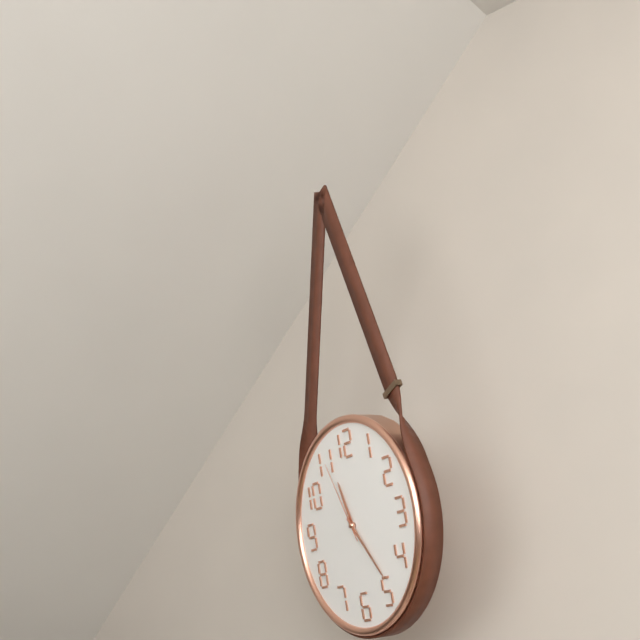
11:24:56
